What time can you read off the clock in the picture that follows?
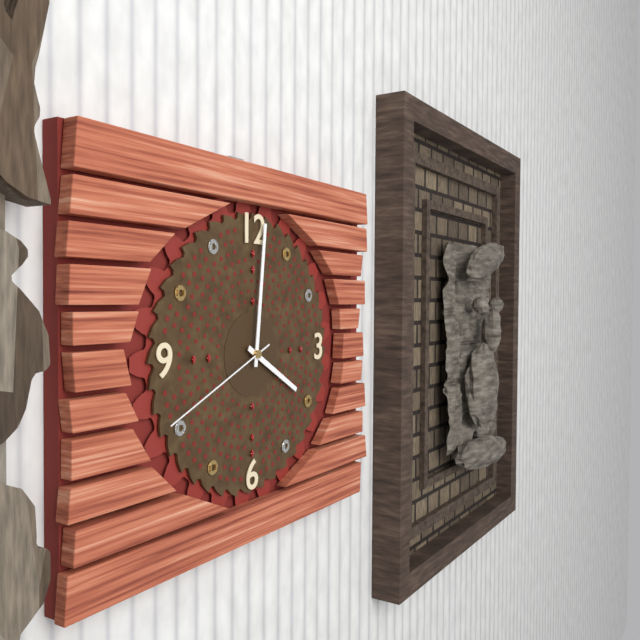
4:01:41
